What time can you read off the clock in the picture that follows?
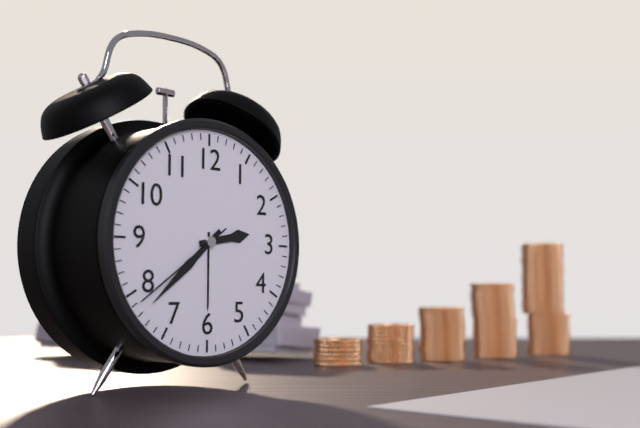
2:38:39
